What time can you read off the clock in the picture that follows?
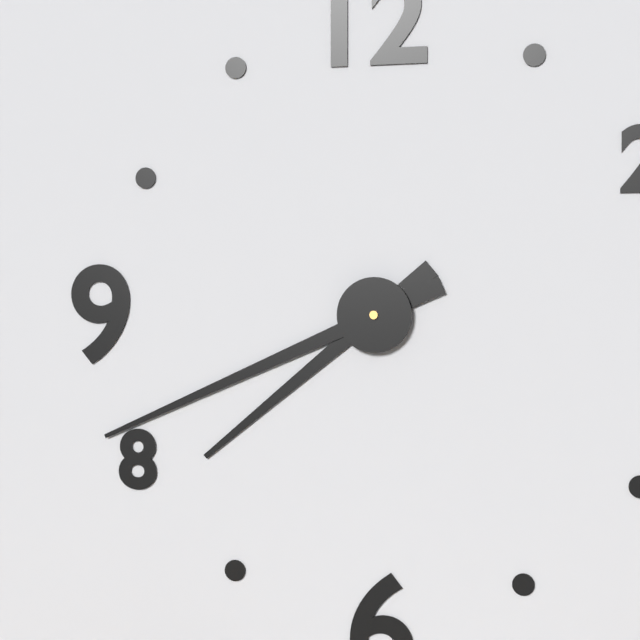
7:41
